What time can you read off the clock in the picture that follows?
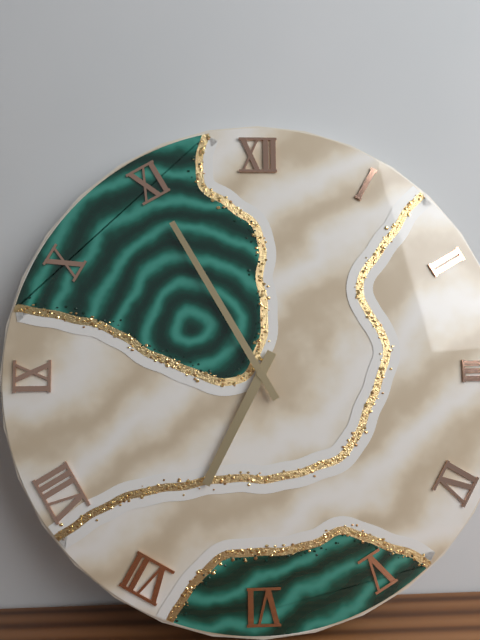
6:55
